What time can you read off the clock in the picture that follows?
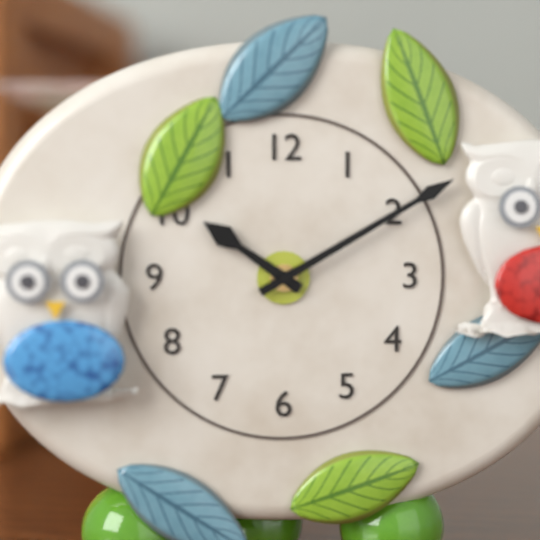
10:10
